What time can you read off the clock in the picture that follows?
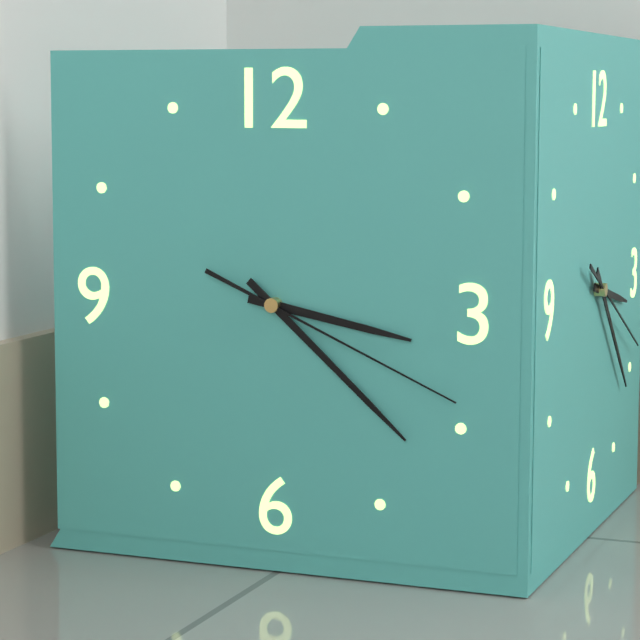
3:22:19
